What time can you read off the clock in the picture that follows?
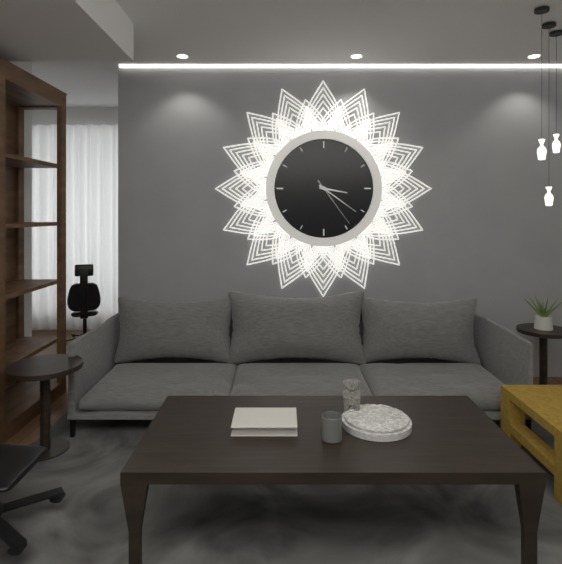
3:21:24
